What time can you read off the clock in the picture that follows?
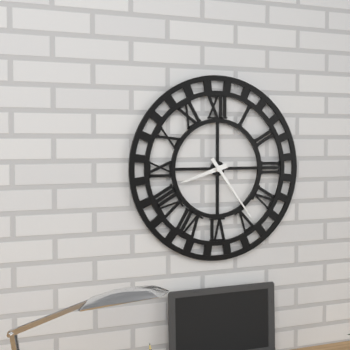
8:24
